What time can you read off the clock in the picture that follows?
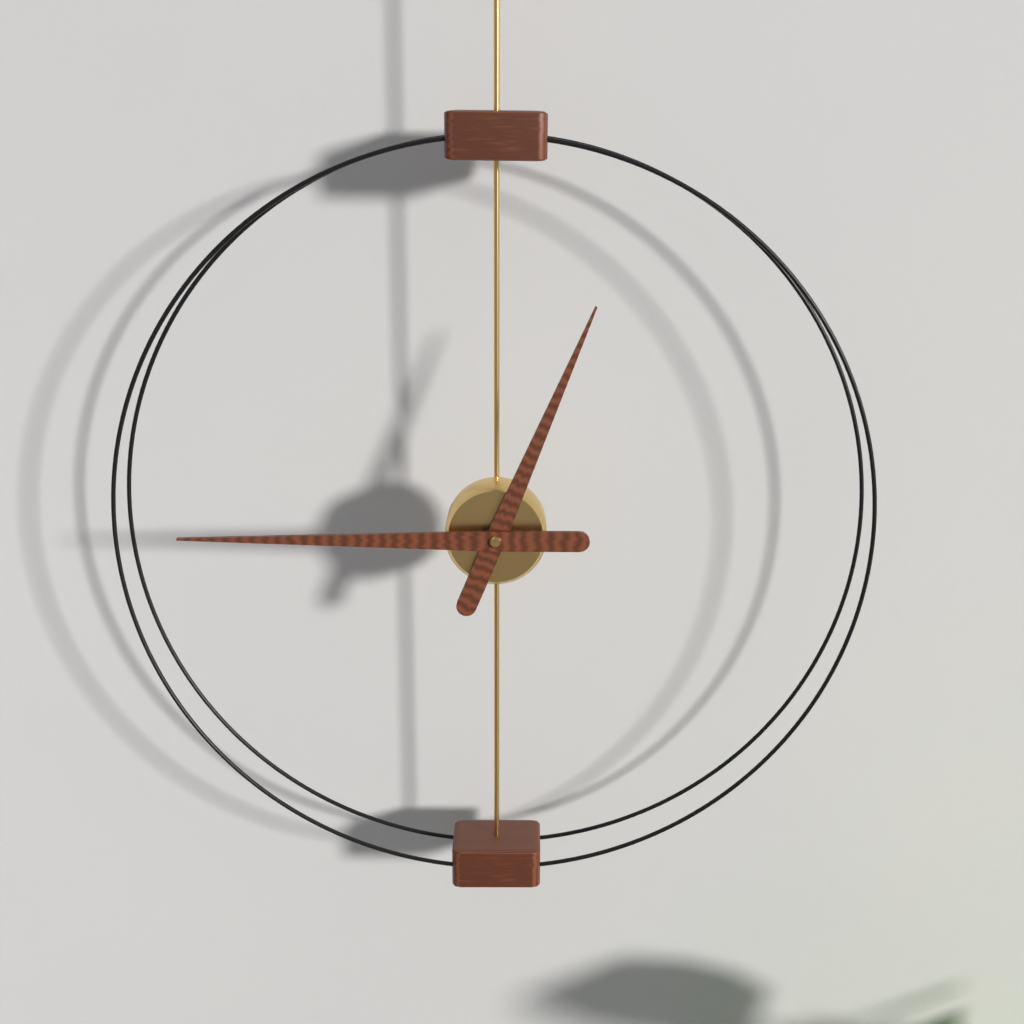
12:45
